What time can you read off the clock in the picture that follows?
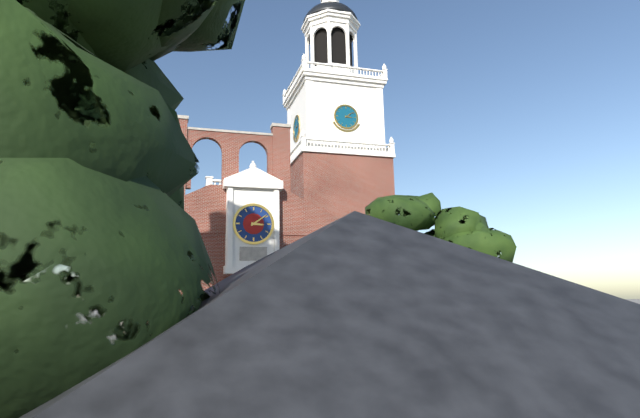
3:09
